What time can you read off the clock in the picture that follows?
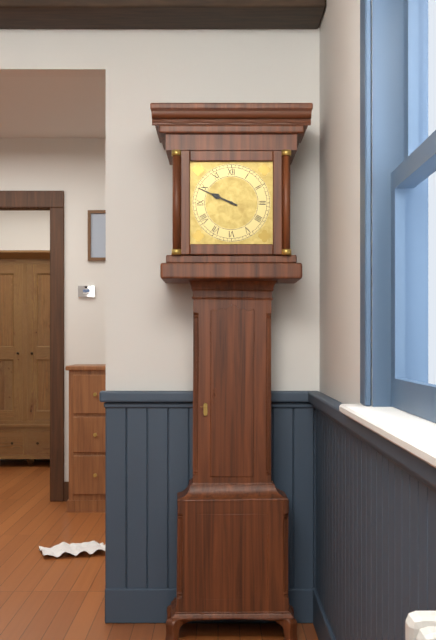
9:49
